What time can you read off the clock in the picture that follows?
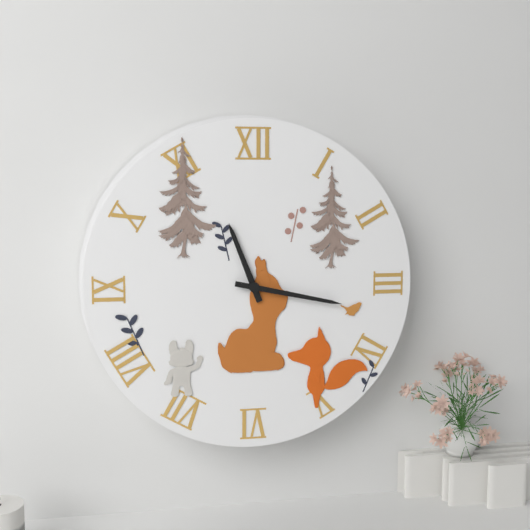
11:17
